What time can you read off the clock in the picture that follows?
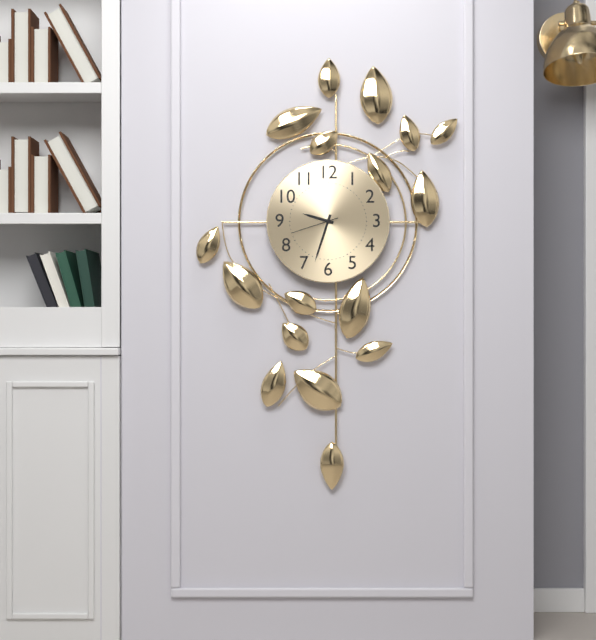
9:33
